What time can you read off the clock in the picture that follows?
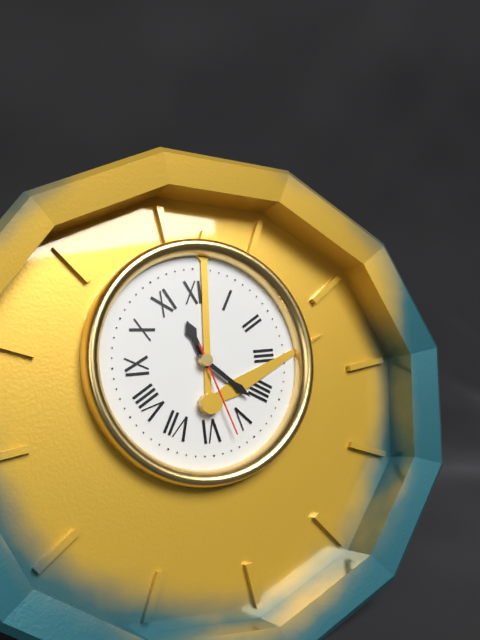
11:22:27
